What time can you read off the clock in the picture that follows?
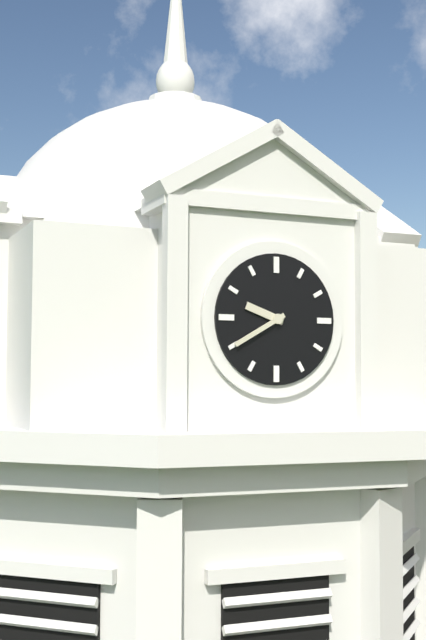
9:40
